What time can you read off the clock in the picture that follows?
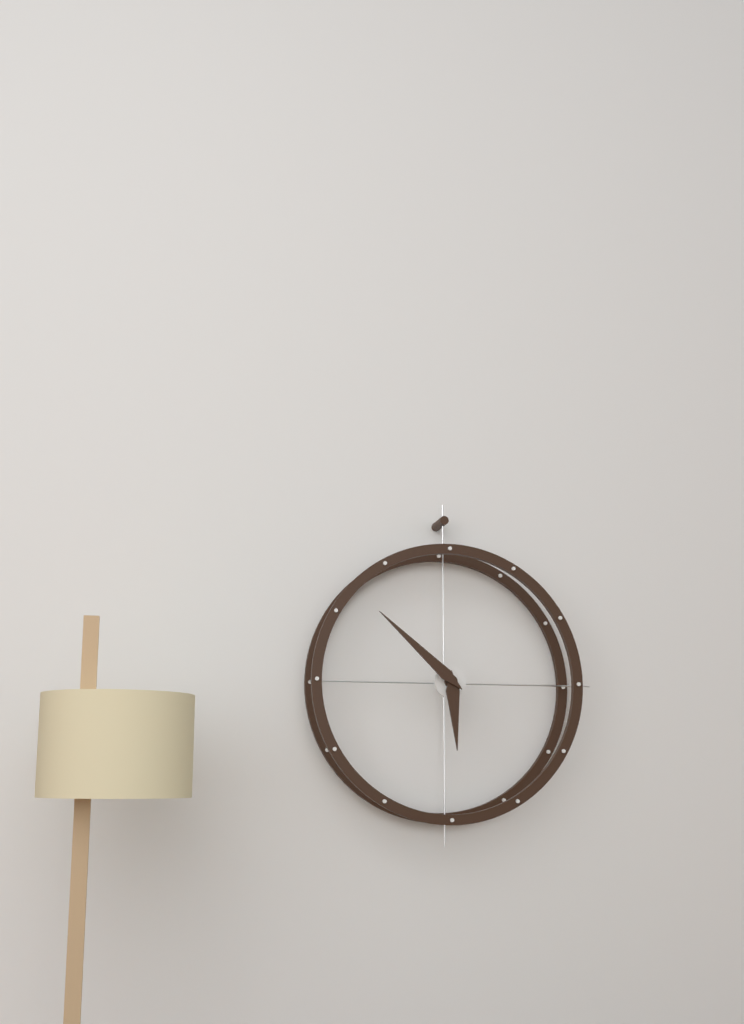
5:52
